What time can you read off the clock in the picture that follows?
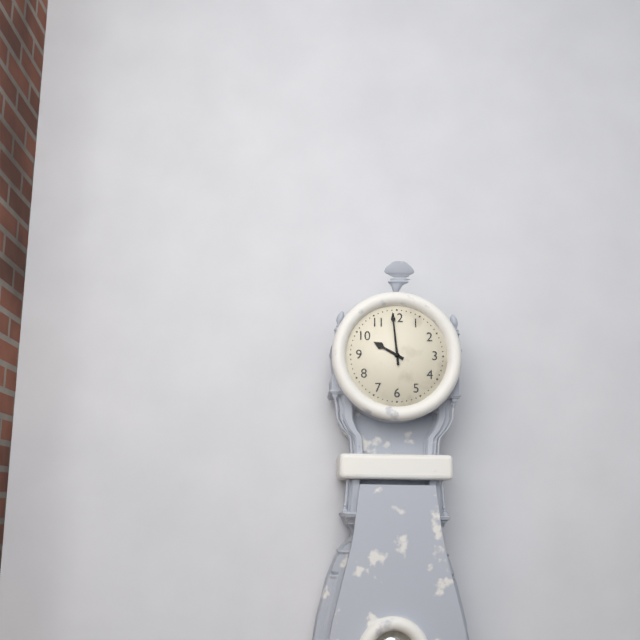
9:59
